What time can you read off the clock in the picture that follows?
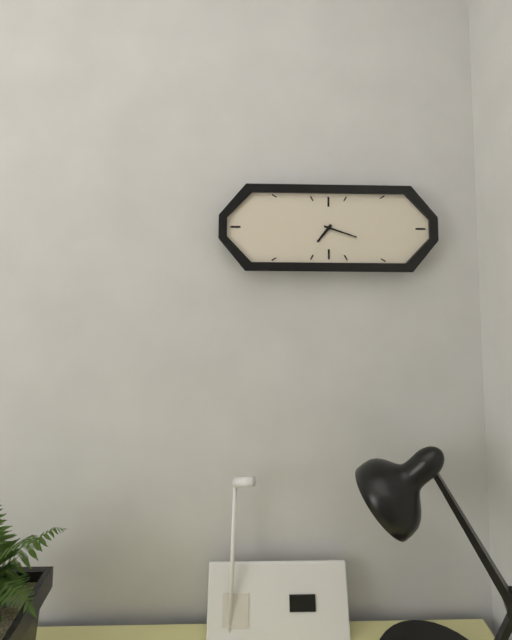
7:18
